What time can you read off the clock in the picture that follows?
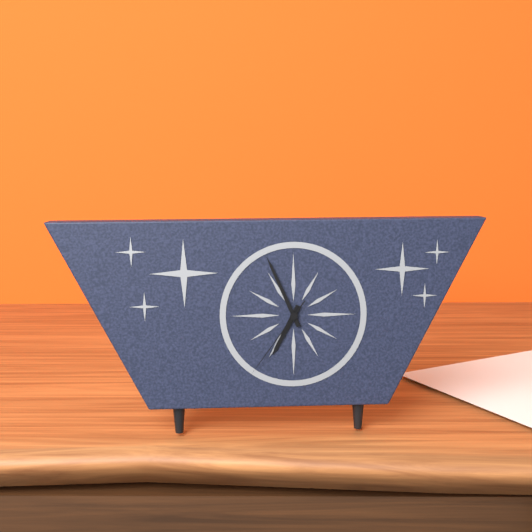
6:56:36
